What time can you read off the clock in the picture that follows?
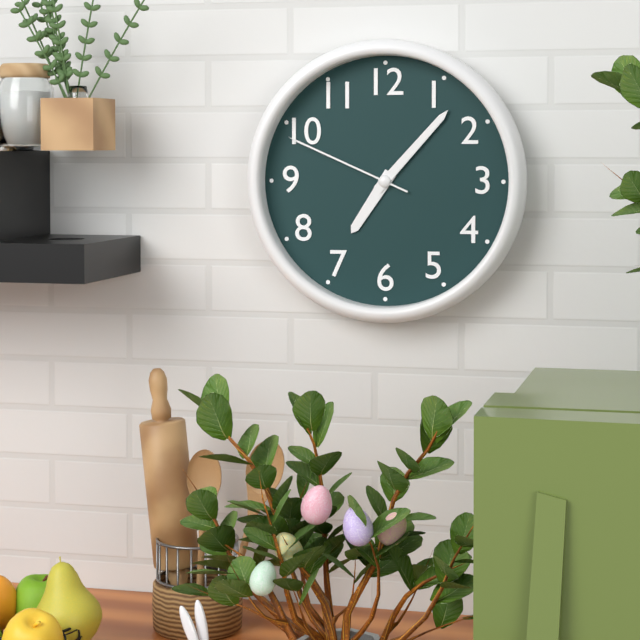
7:07:49
